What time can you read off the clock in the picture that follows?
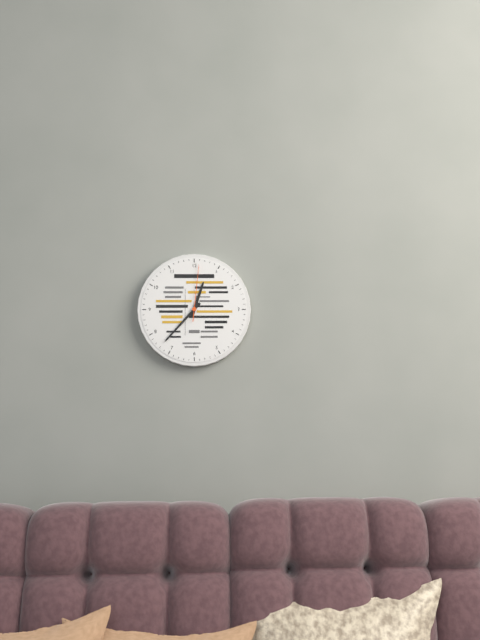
12:37:01
